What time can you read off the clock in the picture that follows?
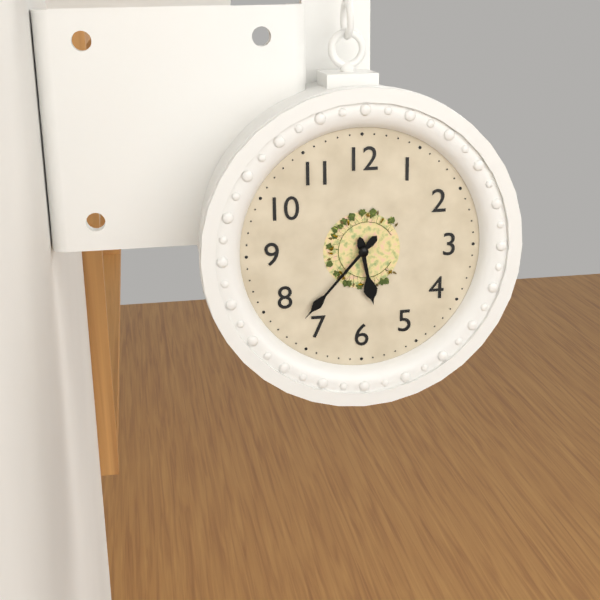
5:37
